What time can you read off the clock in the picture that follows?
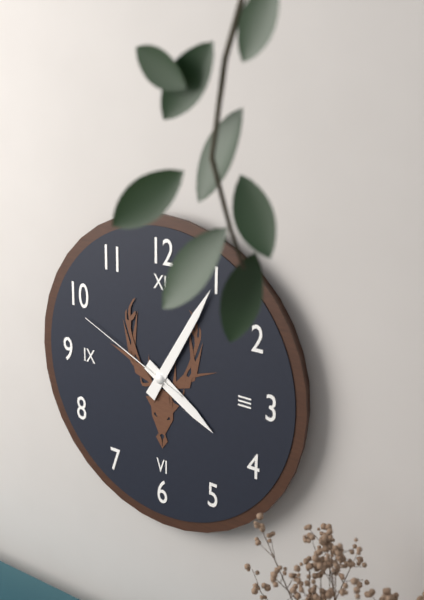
4:05:49
